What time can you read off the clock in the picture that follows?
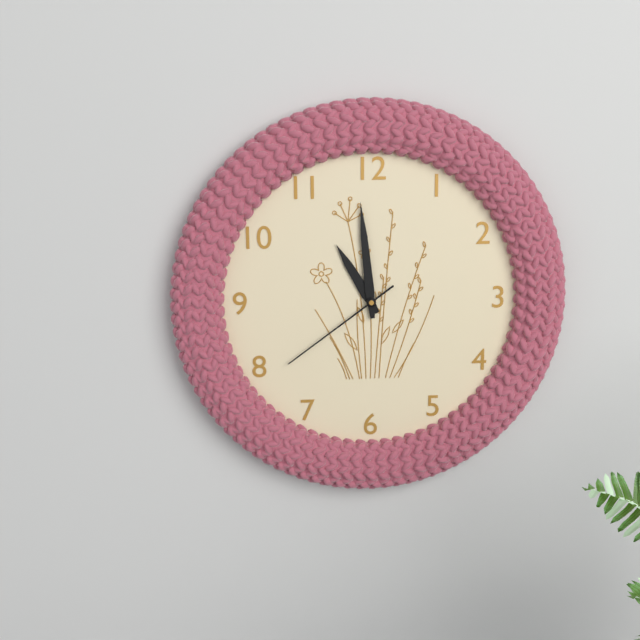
10:59:39
